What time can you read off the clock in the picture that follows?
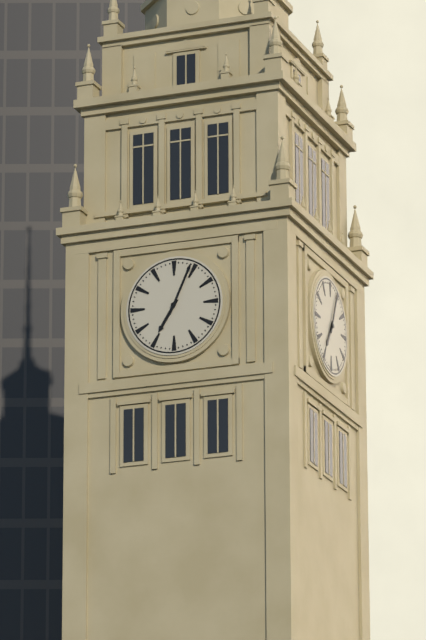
7:04
